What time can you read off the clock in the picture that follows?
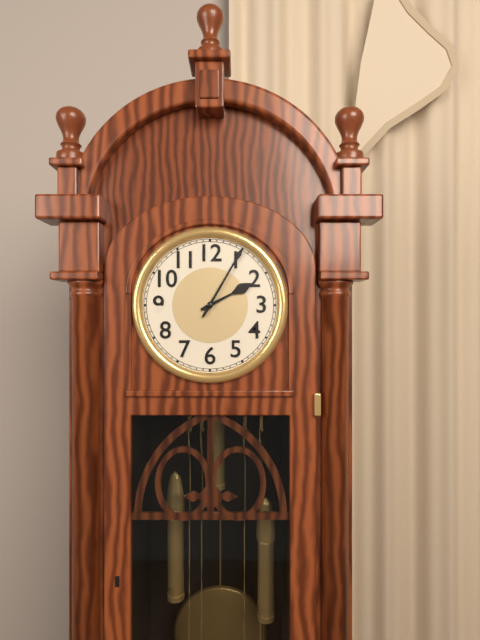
2:05
